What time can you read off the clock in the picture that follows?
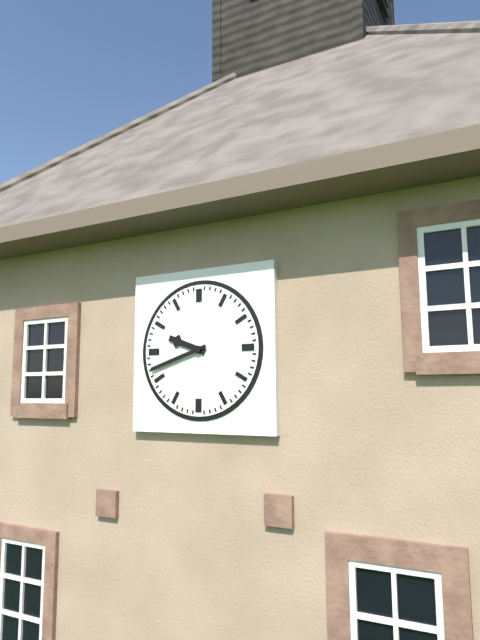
9:42
